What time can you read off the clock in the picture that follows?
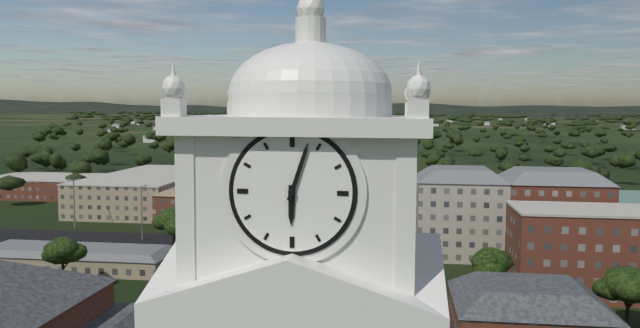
6:03
